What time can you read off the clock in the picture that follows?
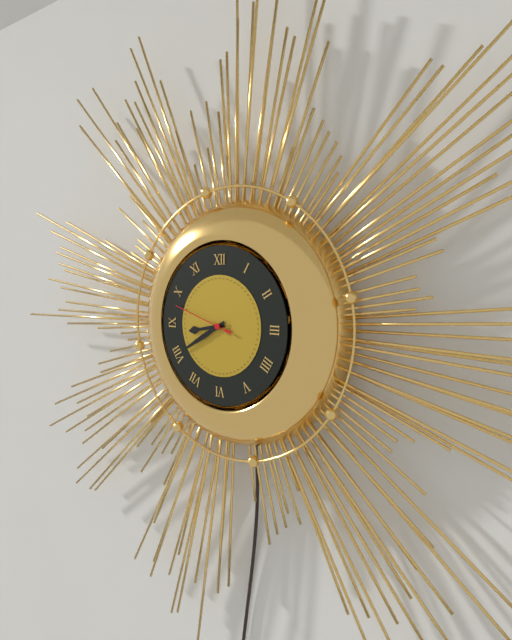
8:40:48
